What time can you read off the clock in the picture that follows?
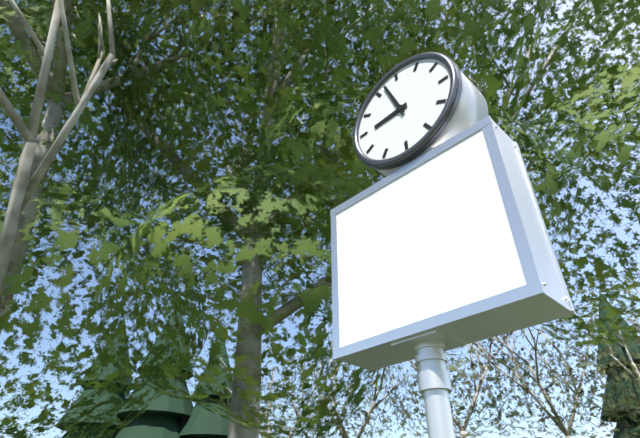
8:57
